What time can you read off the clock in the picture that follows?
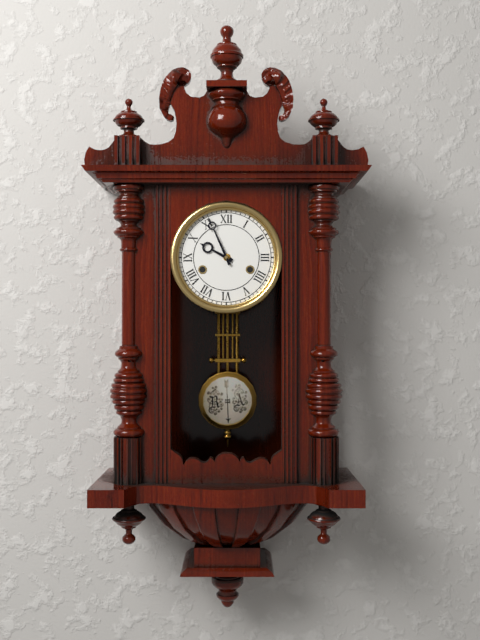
9:56
